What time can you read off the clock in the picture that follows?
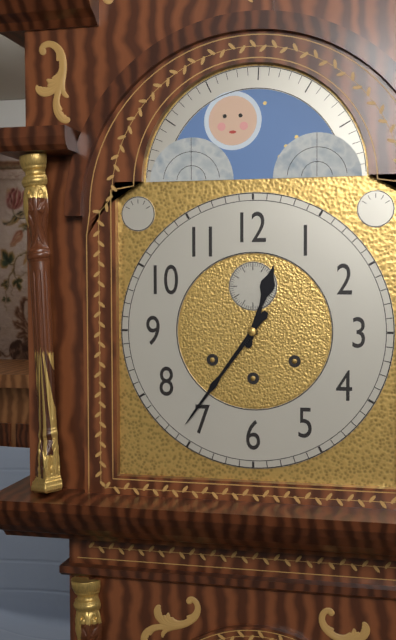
12:36
